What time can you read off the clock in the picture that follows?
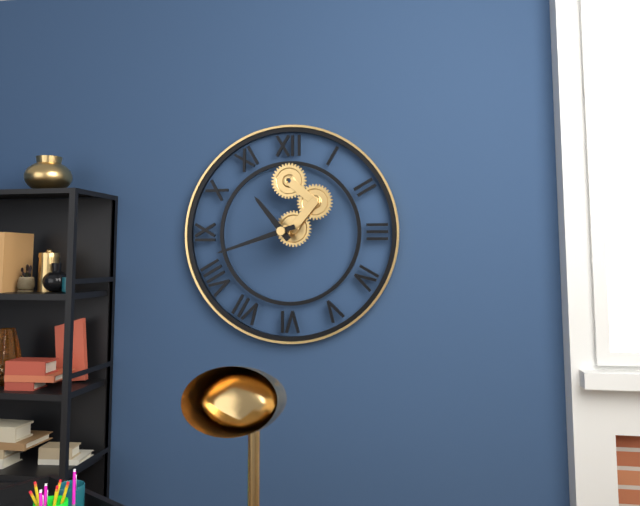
10:42
